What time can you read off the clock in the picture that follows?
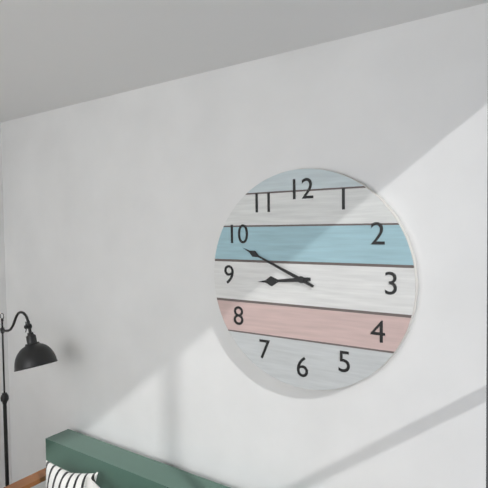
8:49
